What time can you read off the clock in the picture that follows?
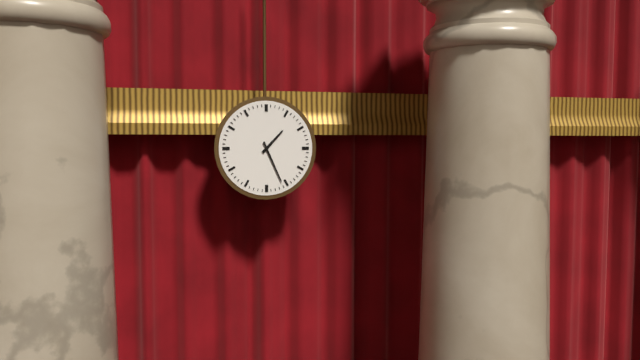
1:26
